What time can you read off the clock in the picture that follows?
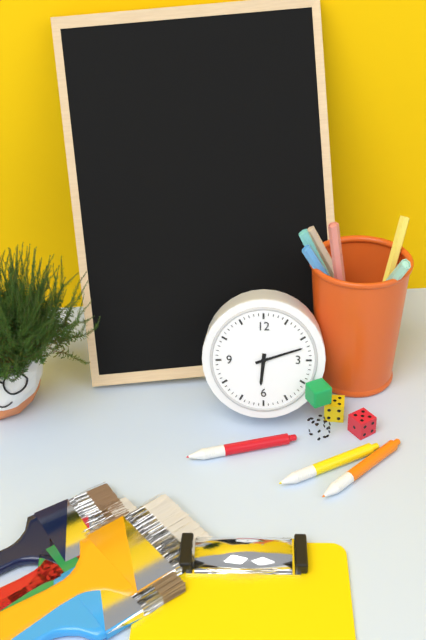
6:12
